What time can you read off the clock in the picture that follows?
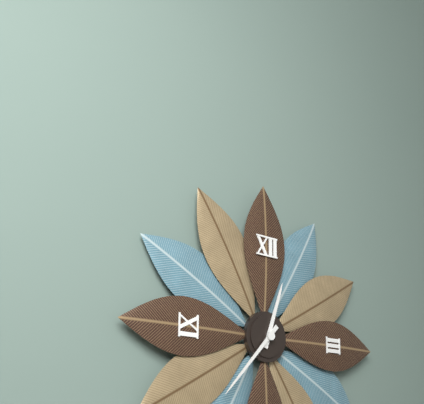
12:37
